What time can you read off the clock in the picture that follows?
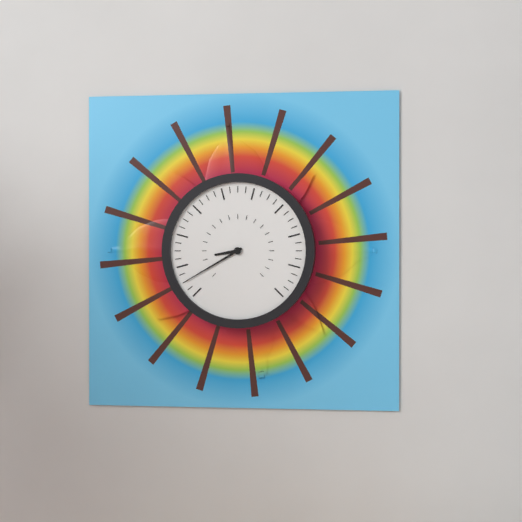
8:40
